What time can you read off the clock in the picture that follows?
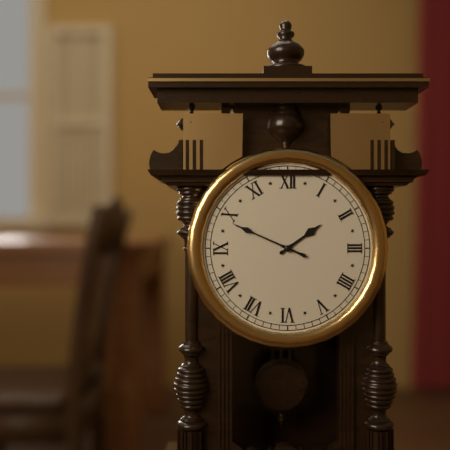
1:49
